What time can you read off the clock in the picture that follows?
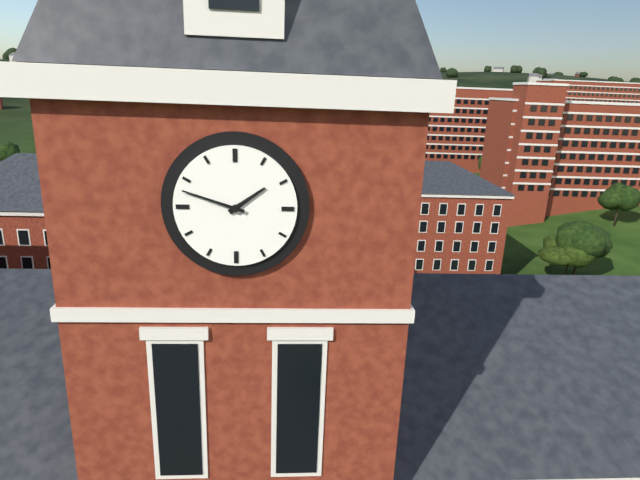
1:48
